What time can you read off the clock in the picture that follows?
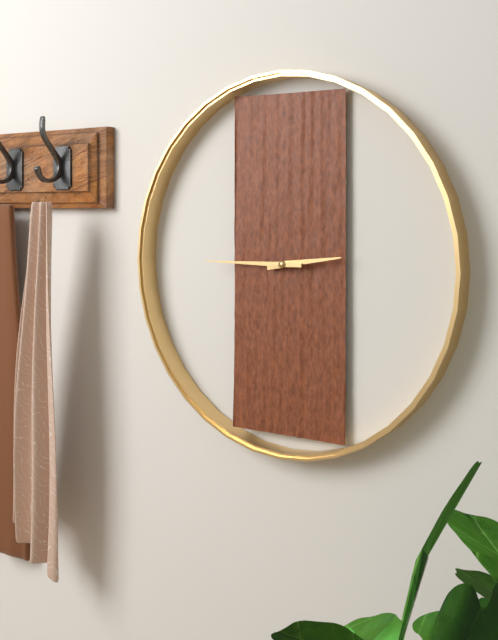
2:45
